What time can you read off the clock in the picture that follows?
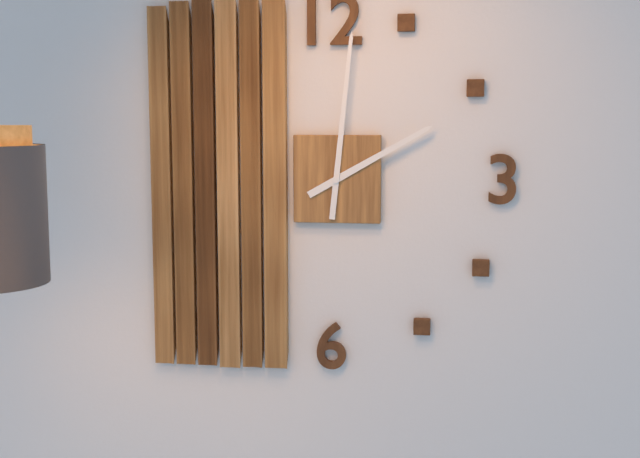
2:01
